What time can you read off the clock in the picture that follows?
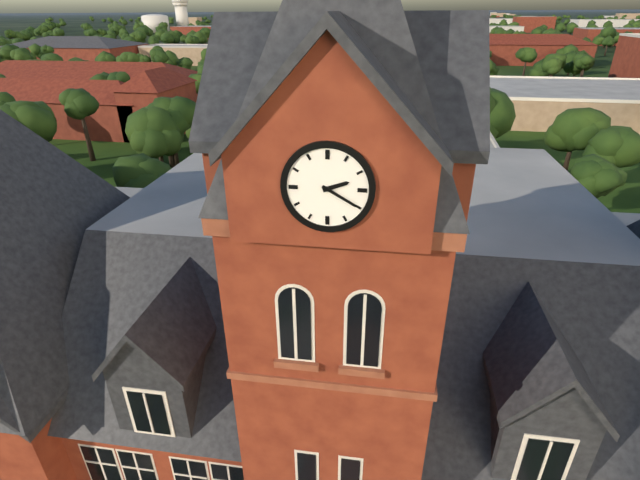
2:20
